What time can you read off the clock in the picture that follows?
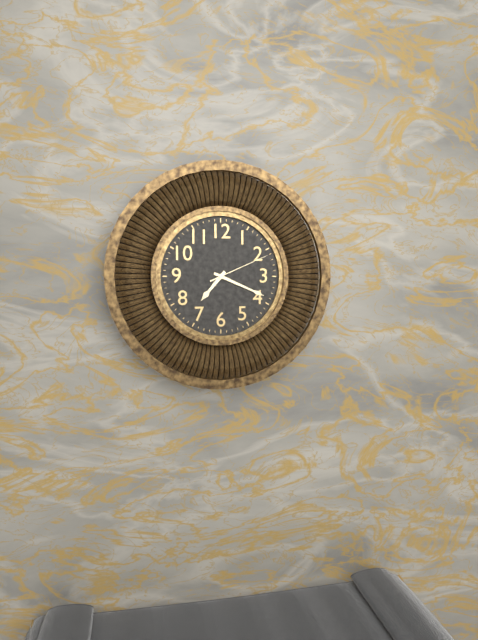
7:19:11
